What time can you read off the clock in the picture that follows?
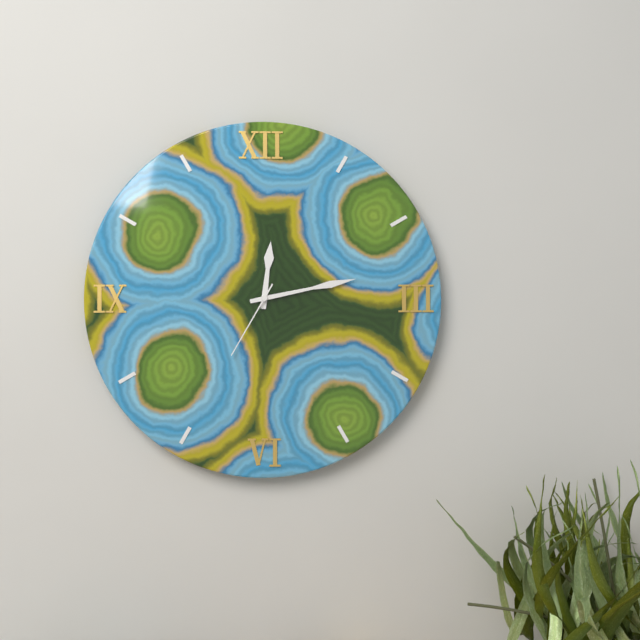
12:13:35
